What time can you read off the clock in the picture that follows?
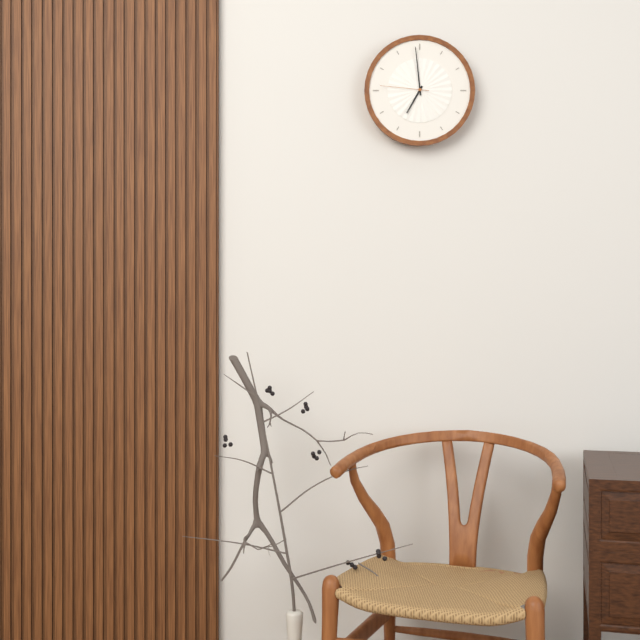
6:59
